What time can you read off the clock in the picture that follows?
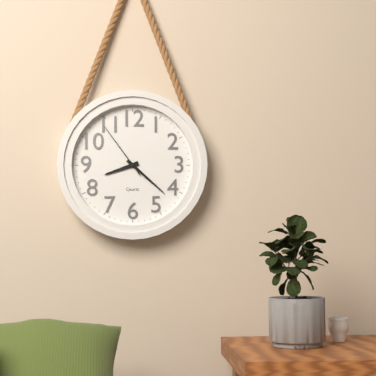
8:22:54
